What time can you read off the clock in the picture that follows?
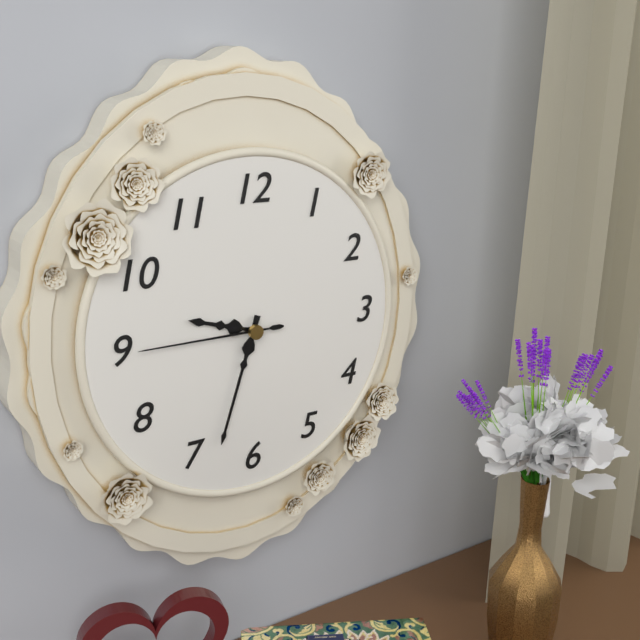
9:33:45
